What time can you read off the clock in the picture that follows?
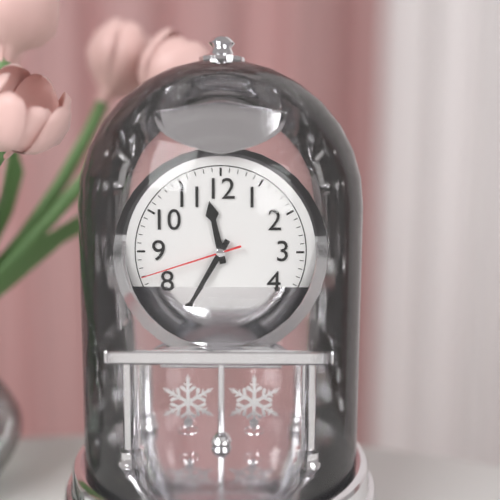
11:35:42
